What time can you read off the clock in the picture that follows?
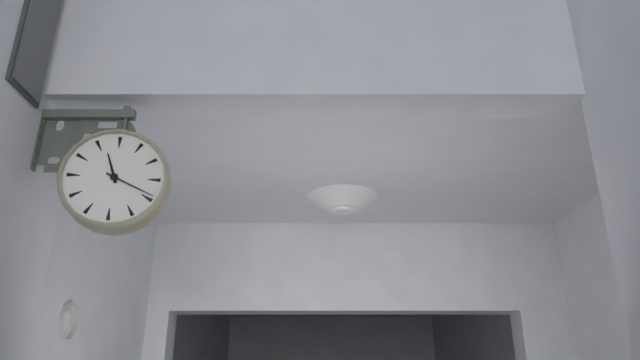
11:19
